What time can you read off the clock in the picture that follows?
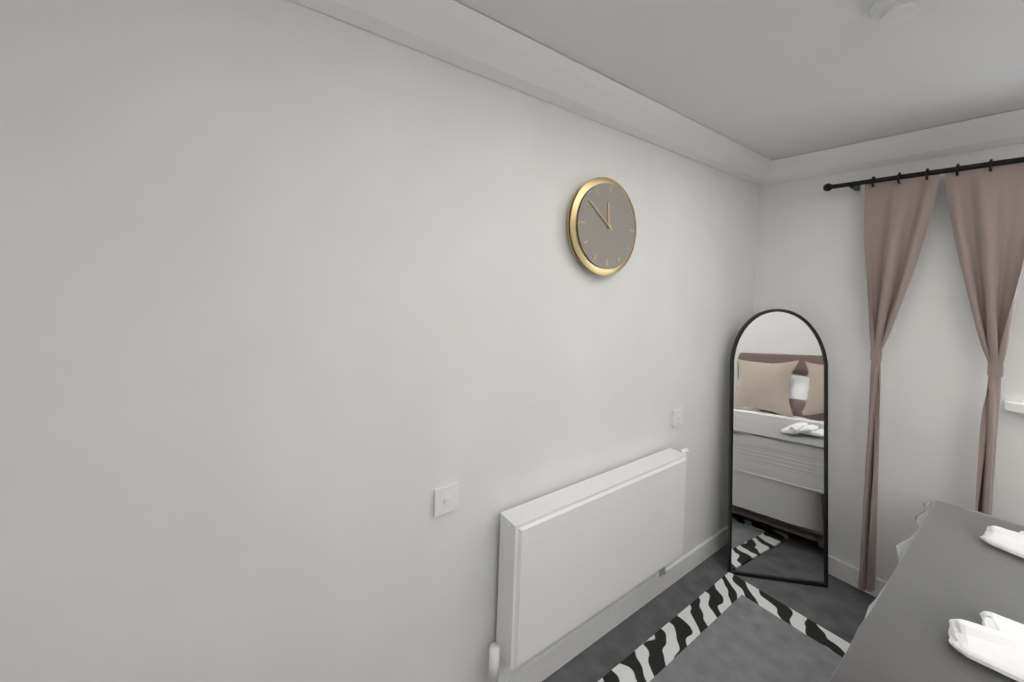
11:51
